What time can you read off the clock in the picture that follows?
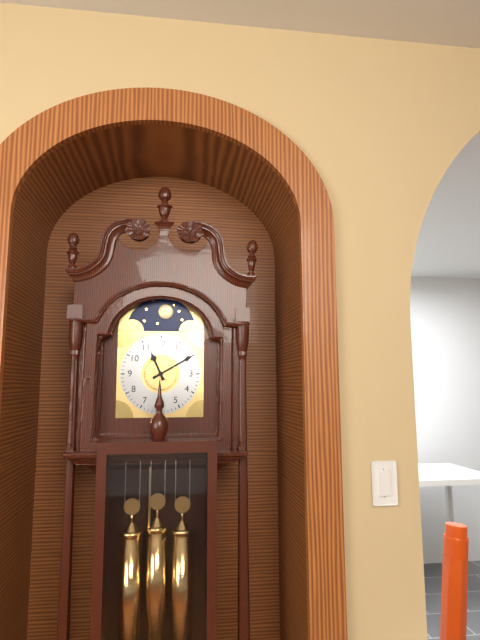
11:10
